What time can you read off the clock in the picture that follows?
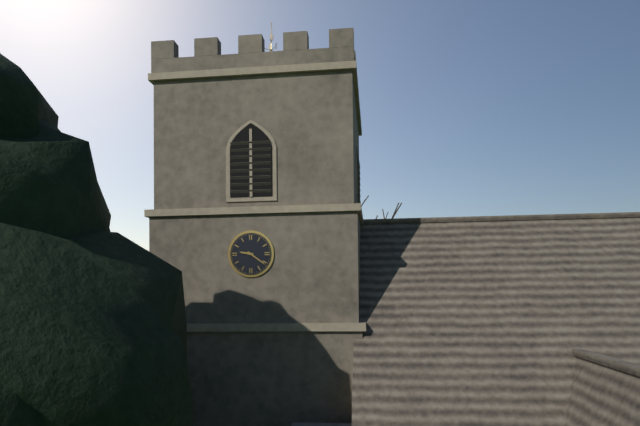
9:21
